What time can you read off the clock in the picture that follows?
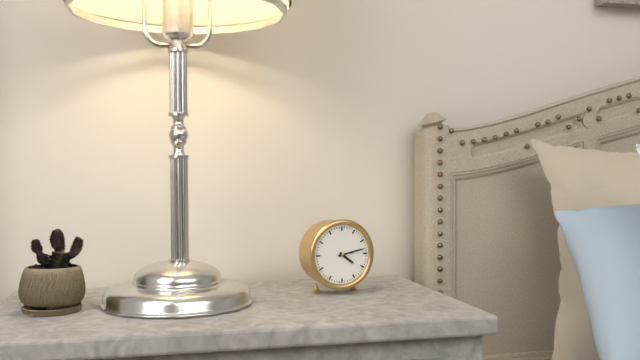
4:13
